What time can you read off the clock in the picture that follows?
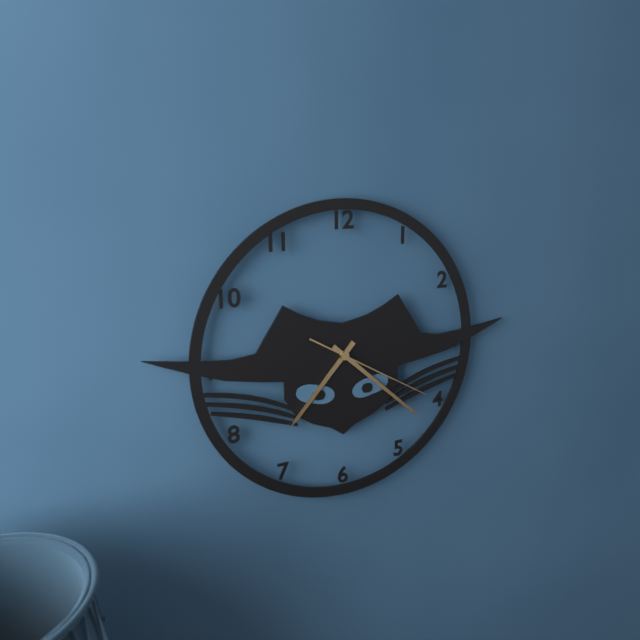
7:22:20
